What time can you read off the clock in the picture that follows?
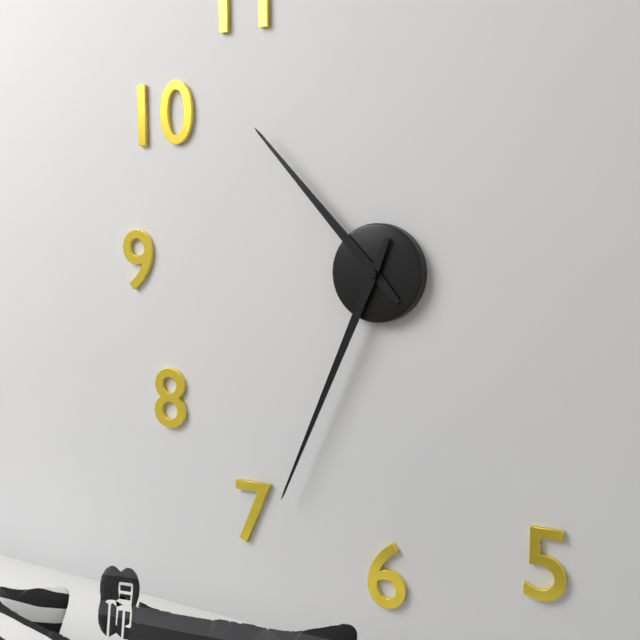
10:34
